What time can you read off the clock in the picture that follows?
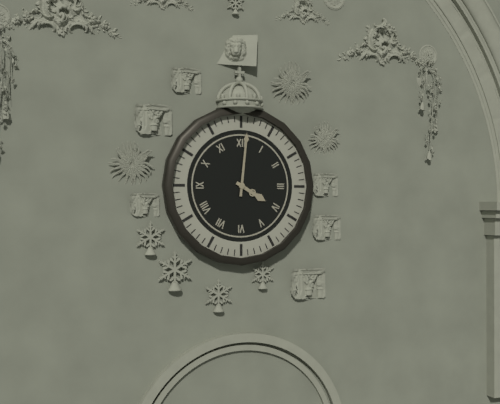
4:01
